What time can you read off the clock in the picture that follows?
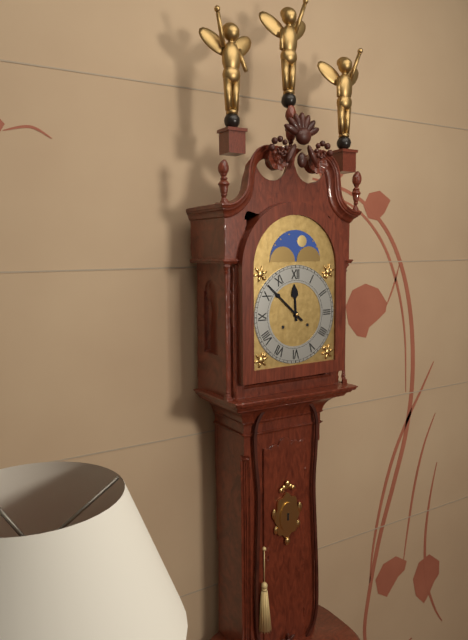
11:52
